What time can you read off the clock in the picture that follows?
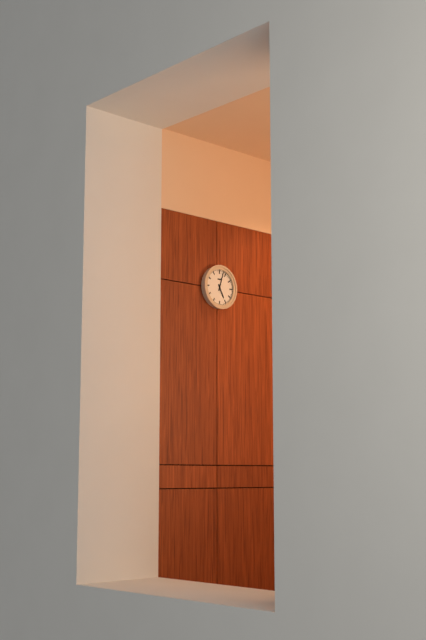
5:03
